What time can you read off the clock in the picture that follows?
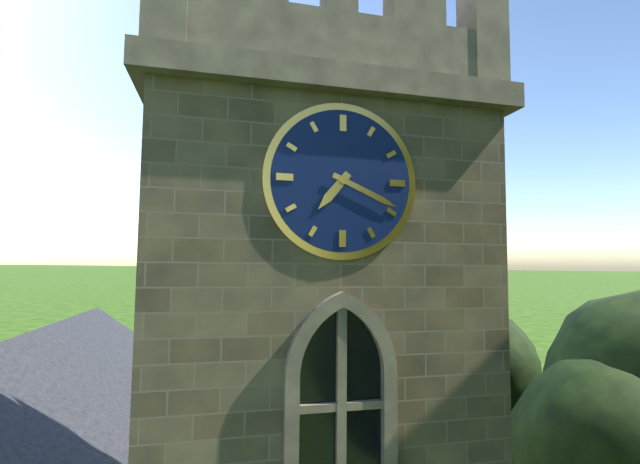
7:19
